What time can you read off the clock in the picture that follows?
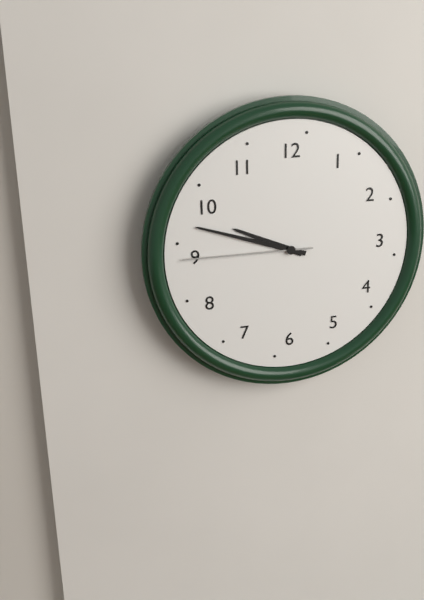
9:48:45
